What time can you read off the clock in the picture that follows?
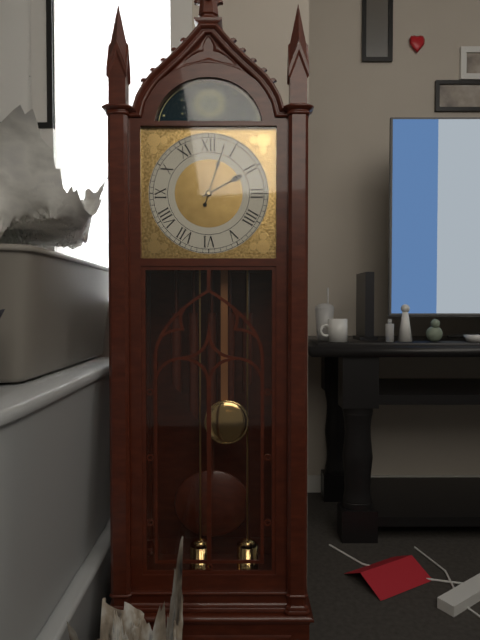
2:03
